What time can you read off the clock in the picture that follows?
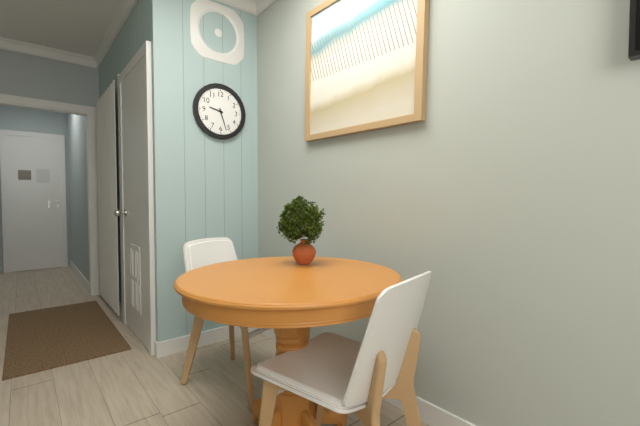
9:27
